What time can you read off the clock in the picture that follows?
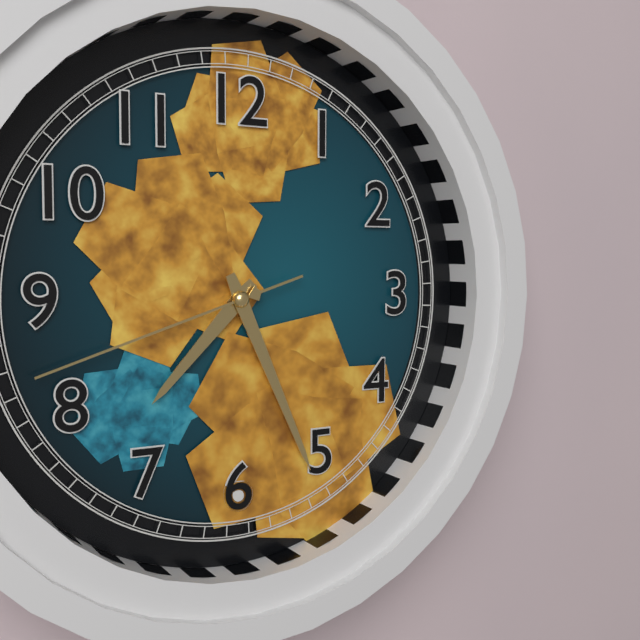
7:26:42
